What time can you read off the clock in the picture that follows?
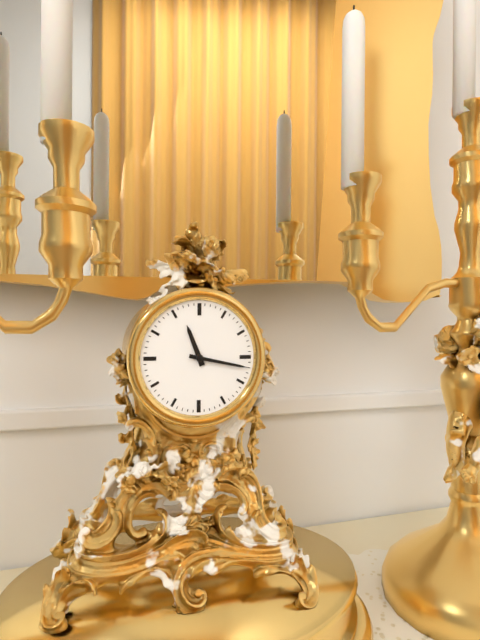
11:17
